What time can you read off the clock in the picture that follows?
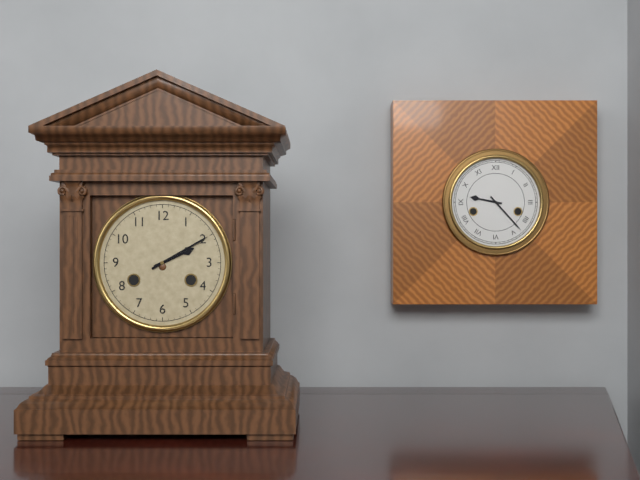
2:10
